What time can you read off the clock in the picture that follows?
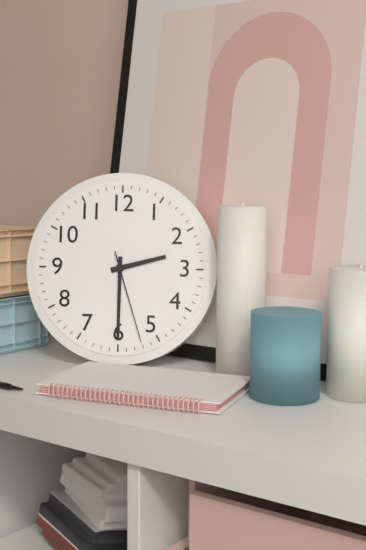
2:30:27
